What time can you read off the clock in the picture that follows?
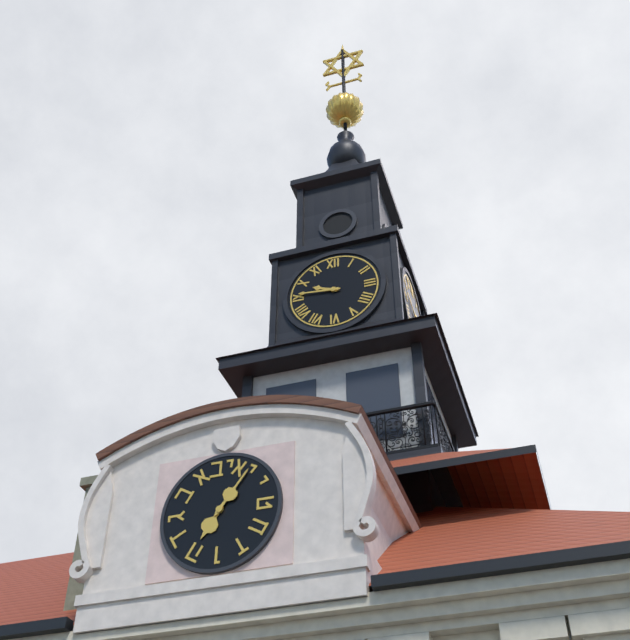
9:46
